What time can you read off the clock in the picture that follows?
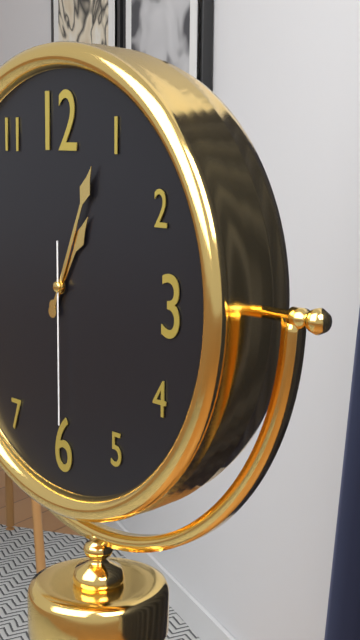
1:04:30
